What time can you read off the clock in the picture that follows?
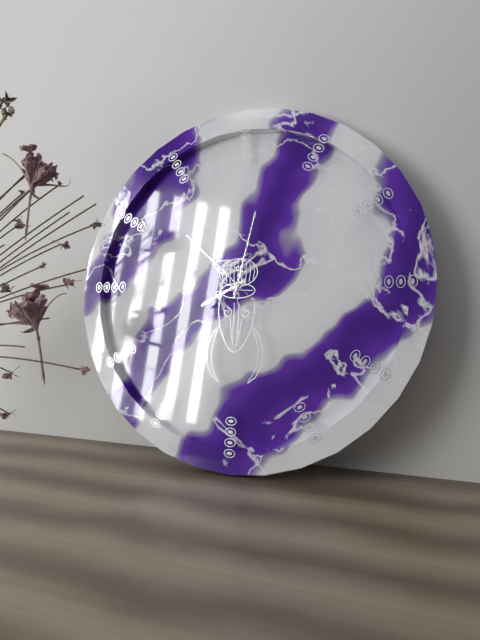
8:02:52
